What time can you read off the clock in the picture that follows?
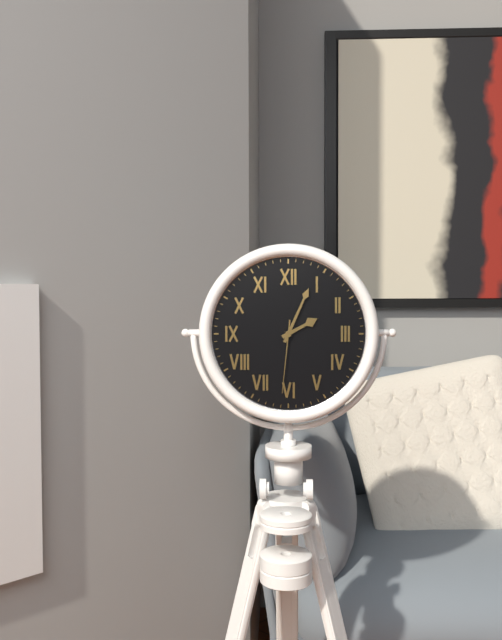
2:04:31
